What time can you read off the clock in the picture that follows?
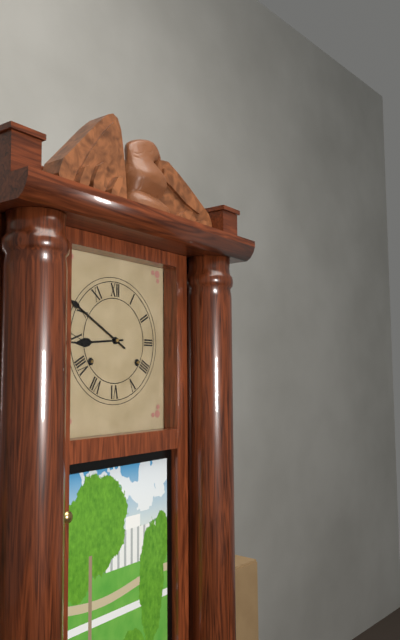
8:50
